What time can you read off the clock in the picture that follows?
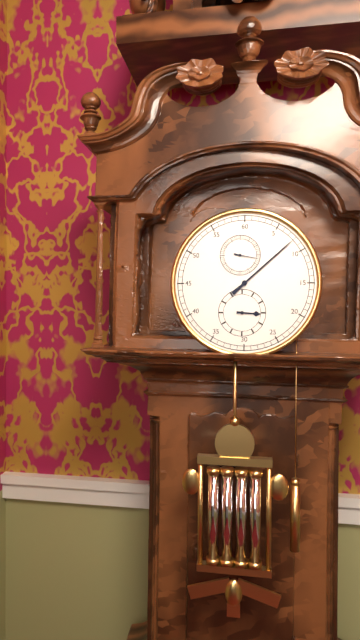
3:08
